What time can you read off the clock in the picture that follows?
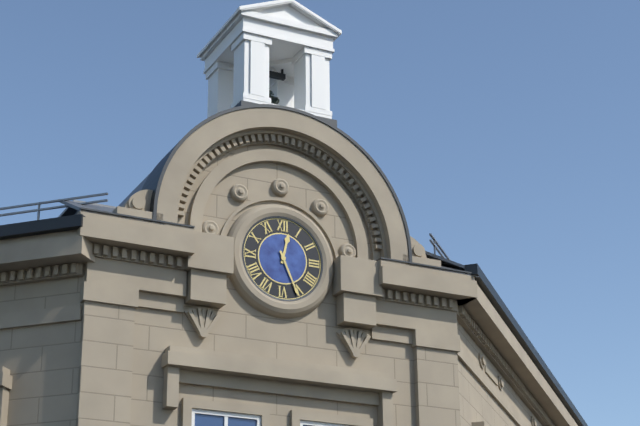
12:26
